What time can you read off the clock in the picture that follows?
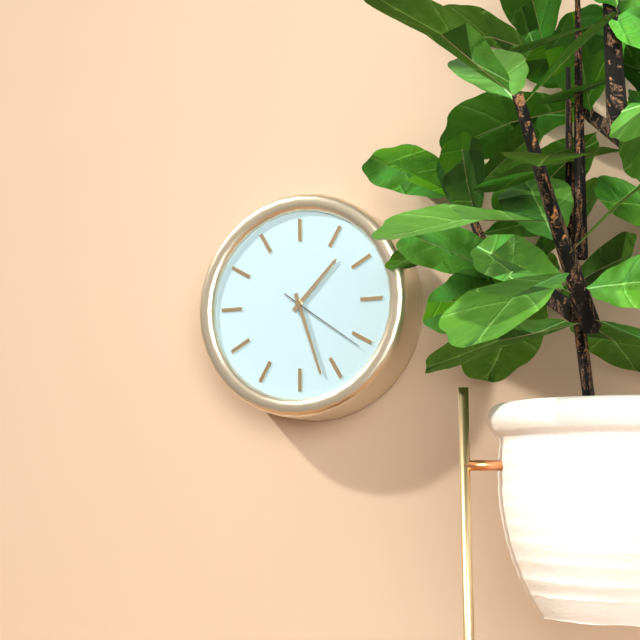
1:27:21
